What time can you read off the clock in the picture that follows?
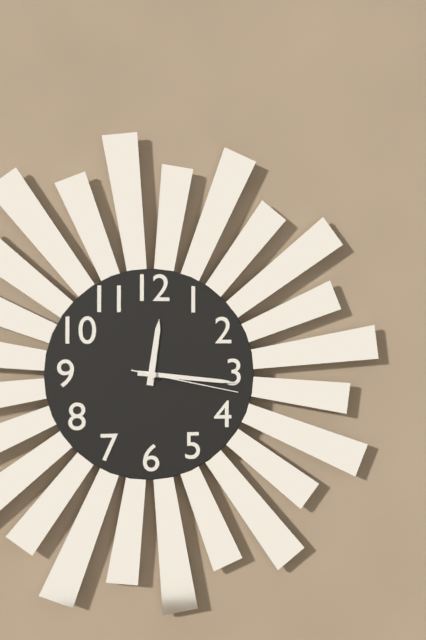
12:16:17
